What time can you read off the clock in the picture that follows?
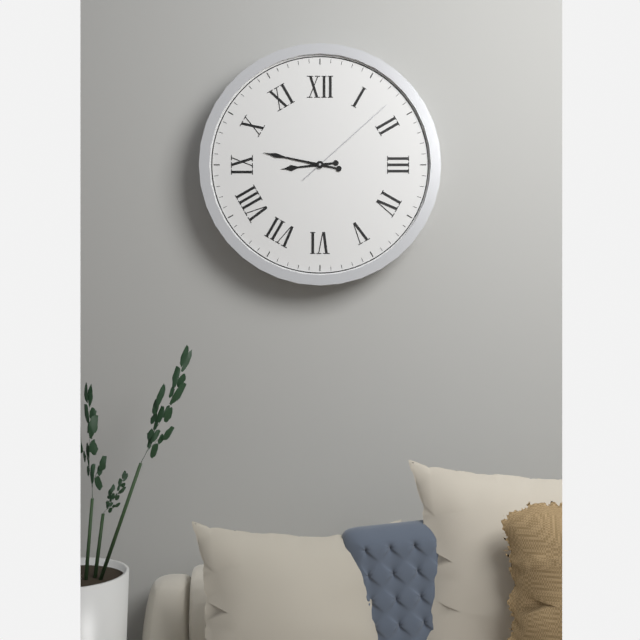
8:47:08
